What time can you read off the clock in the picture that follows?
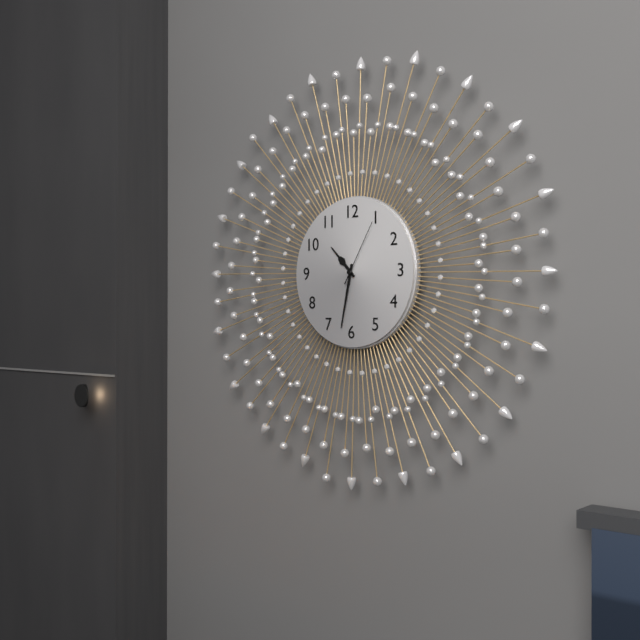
10:32:05
